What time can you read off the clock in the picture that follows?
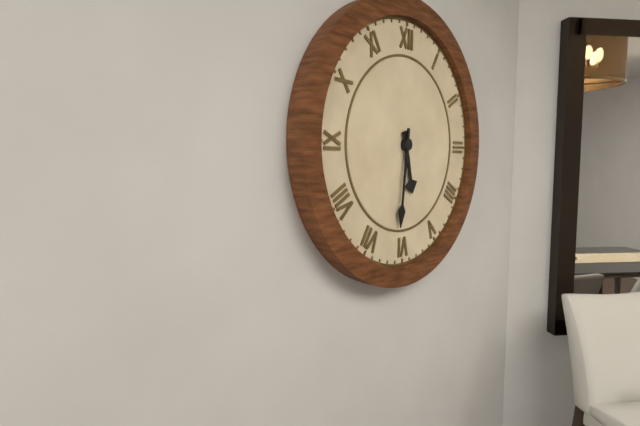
5:31
